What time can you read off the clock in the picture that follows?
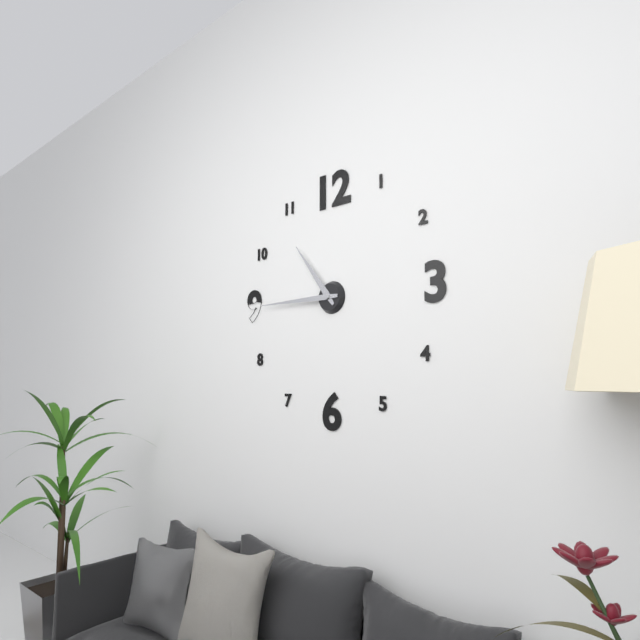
10:45
